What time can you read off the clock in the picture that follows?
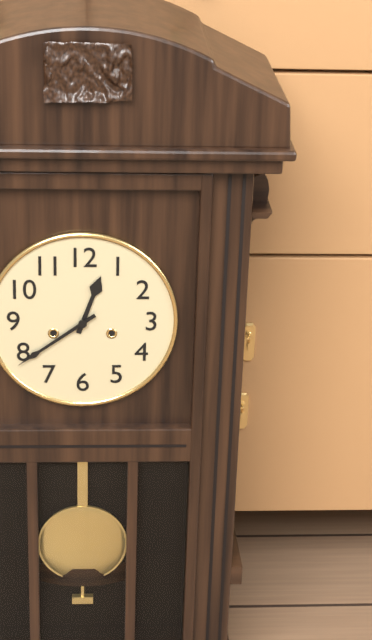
12:39
